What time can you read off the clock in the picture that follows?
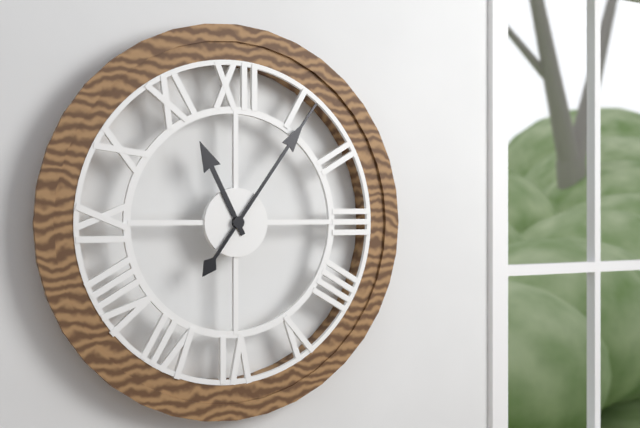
11:06
